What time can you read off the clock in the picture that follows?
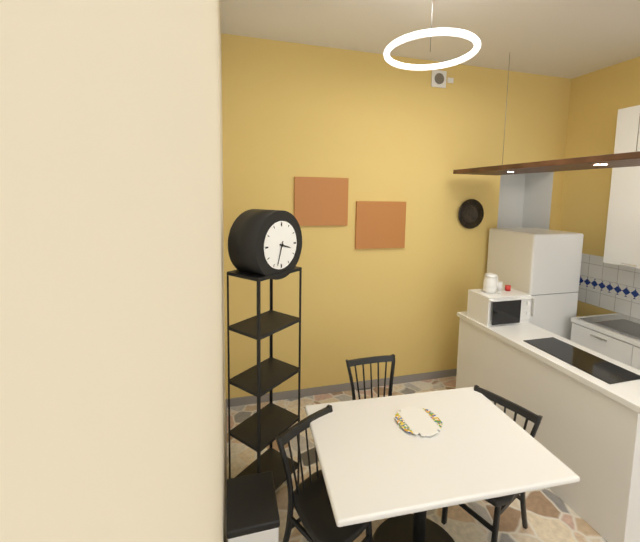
3:33
